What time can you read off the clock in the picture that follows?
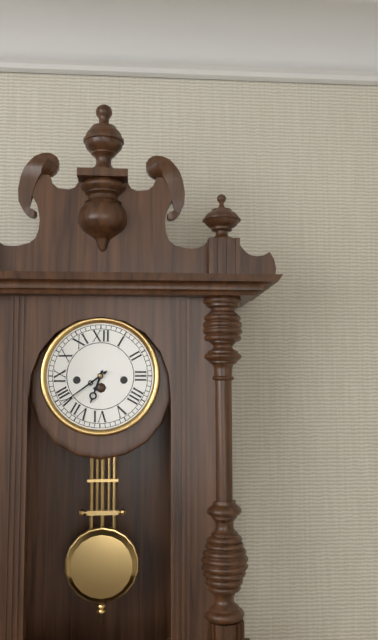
6:39
